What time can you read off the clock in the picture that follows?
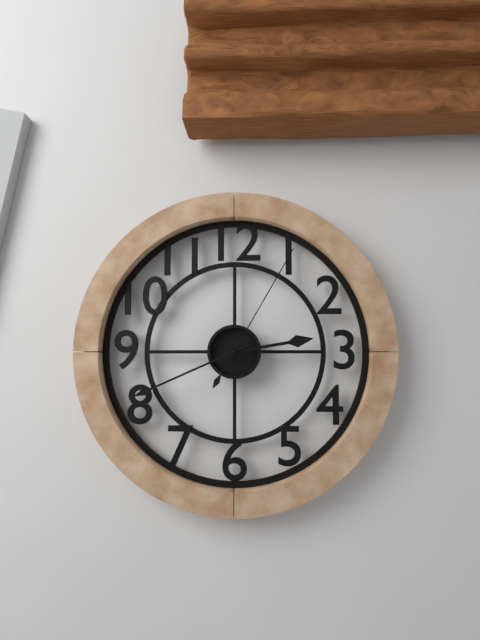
2:41:05
